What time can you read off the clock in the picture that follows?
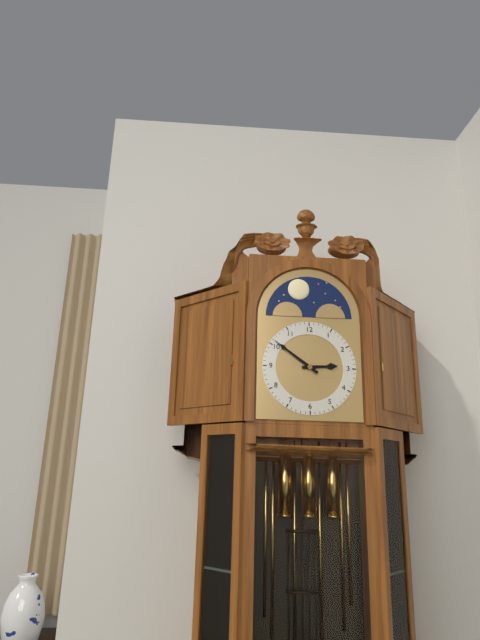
2:51
